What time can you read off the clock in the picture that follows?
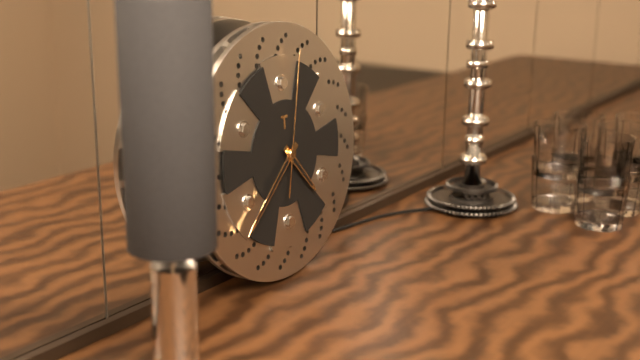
4:38:02
